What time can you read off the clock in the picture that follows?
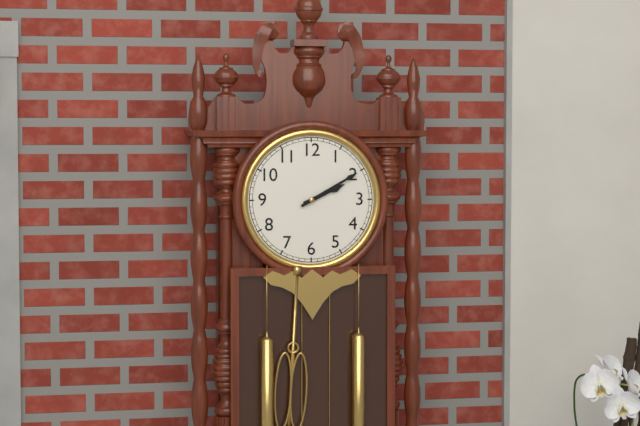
2:10
